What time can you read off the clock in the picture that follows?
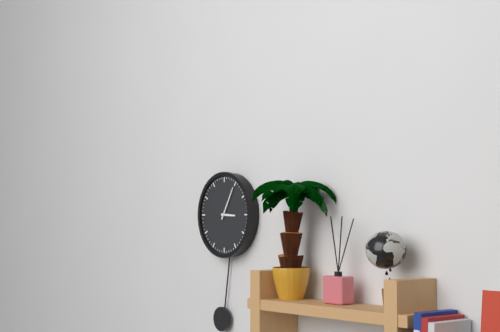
3:05
